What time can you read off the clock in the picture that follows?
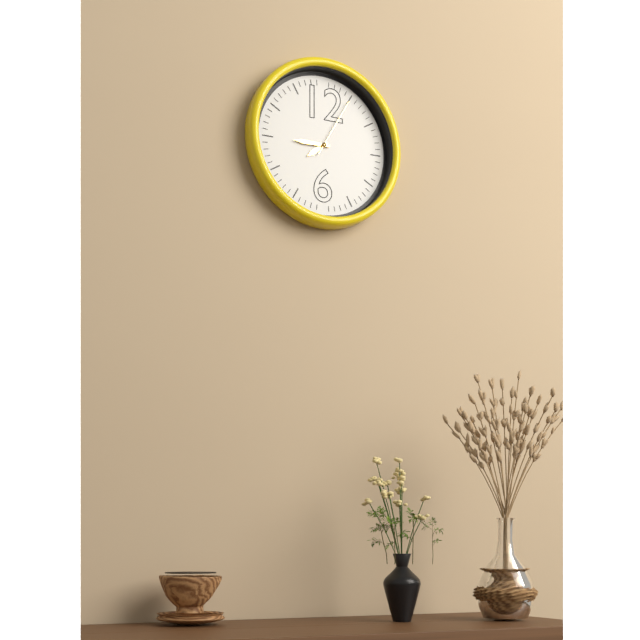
7:45:05
